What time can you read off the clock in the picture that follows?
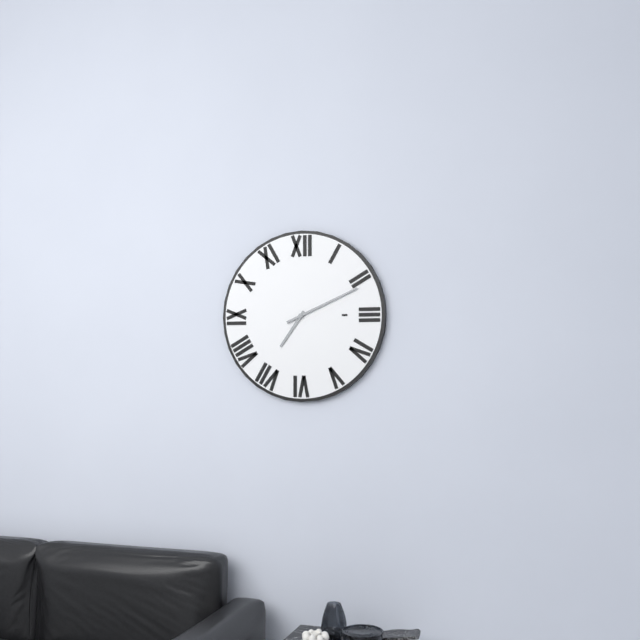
7:11
